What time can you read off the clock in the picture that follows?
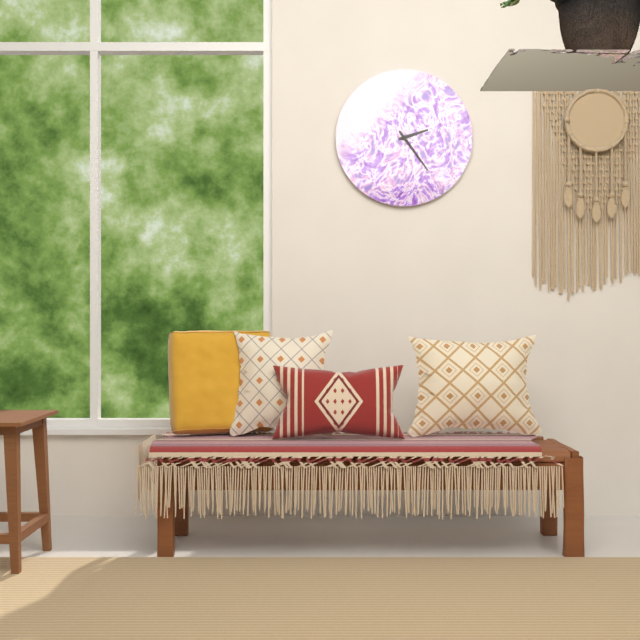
2:24
